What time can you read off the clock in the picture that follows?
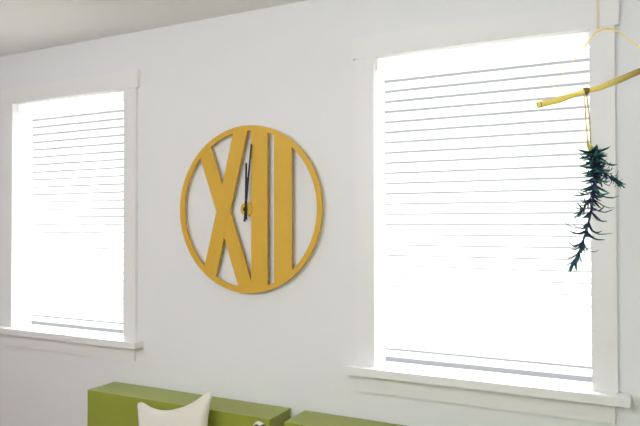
12:01
